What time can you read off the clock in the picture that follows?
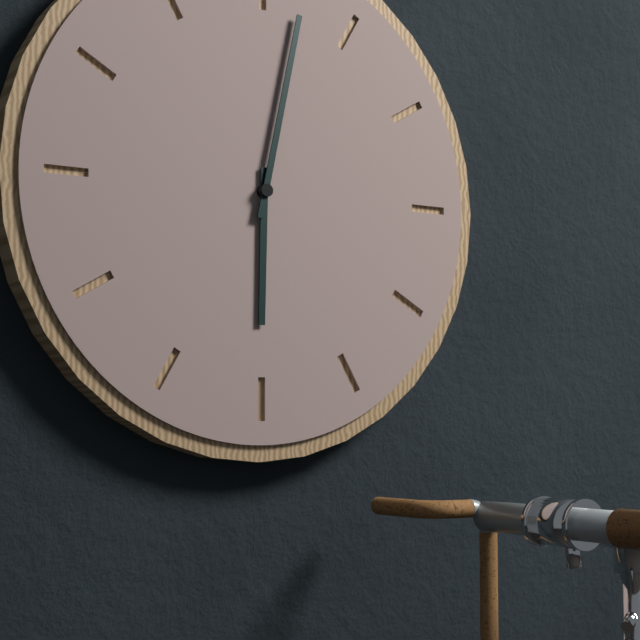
6:02
